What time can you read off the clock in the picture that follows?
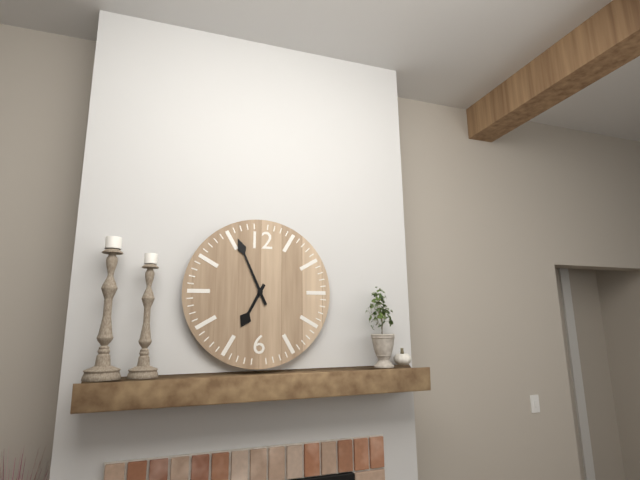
6:56
